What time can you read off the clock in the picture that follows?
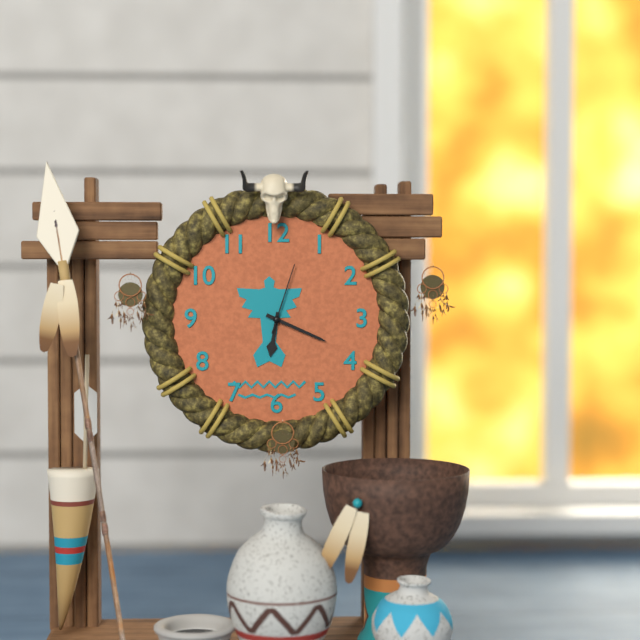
6:19:03
